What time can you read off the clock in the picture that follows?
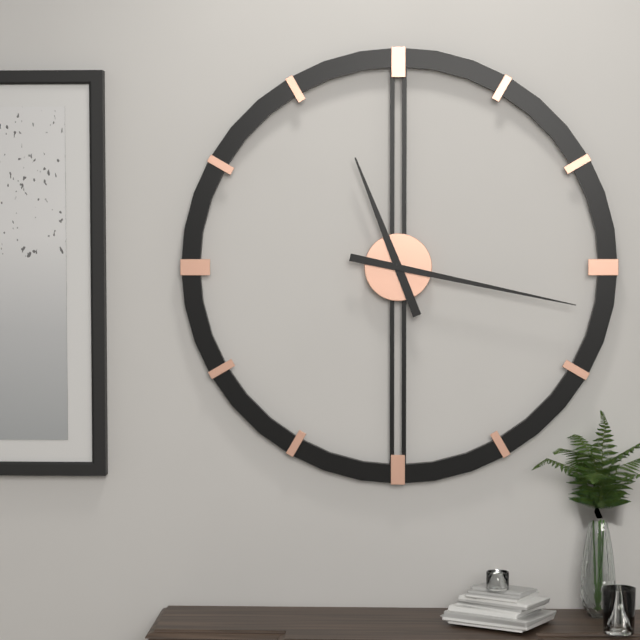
11:17
